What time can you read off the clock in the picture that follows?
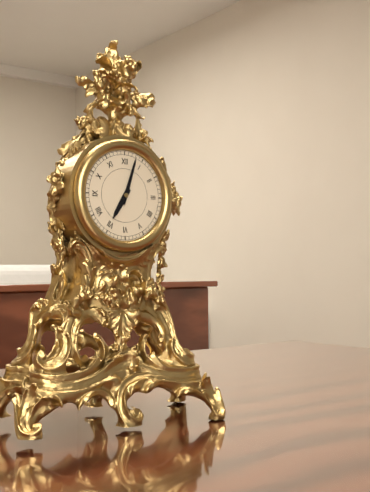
7:03
